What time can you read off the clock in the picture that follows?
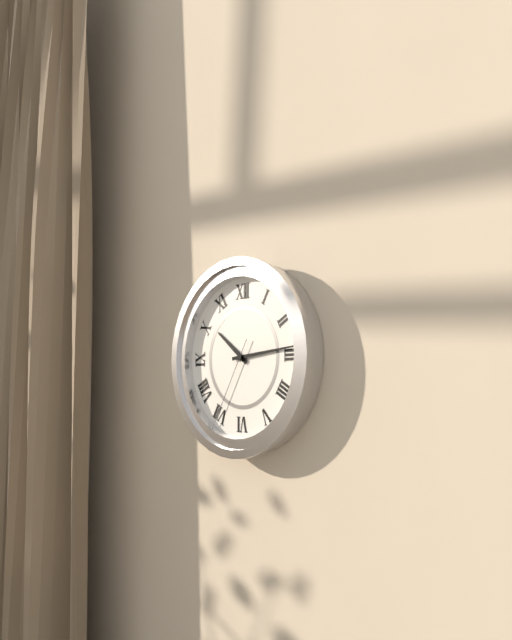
10:14:35
